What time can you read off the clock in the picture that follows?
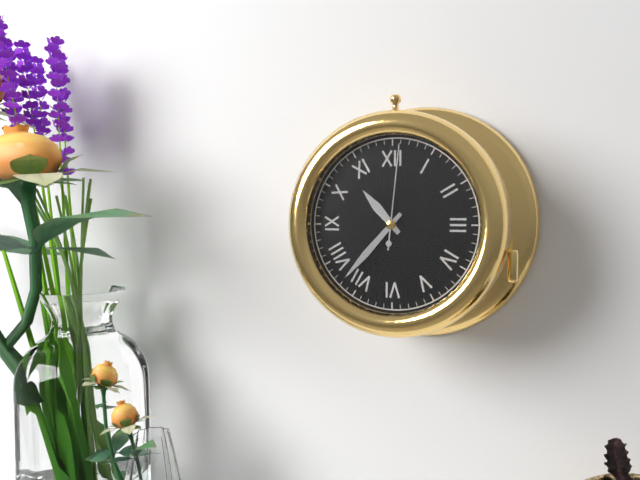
10:37:01
